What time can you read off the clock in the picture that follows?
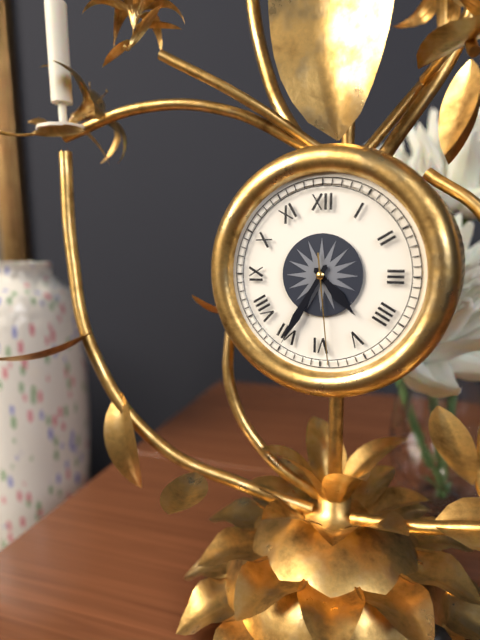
4:35:29
